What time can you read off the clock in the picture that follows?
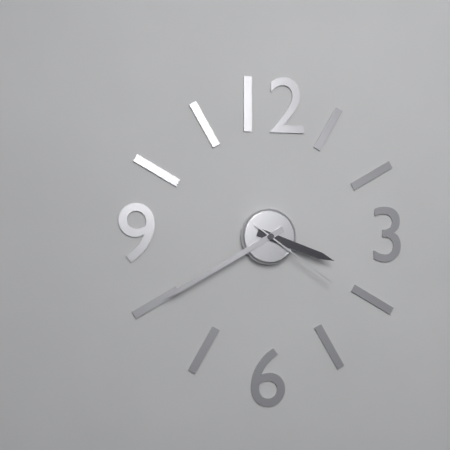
3:40:21
